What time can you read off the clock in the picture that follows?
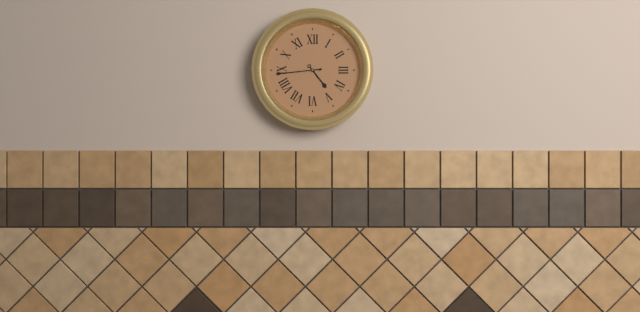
4:44
